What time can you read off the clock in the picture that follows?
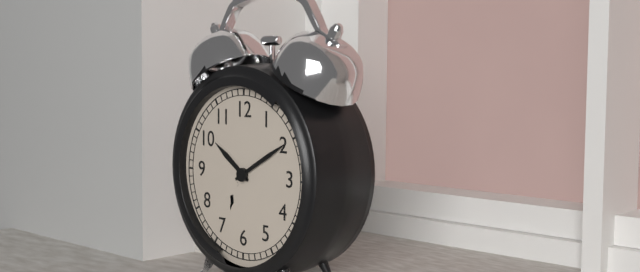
10:10
